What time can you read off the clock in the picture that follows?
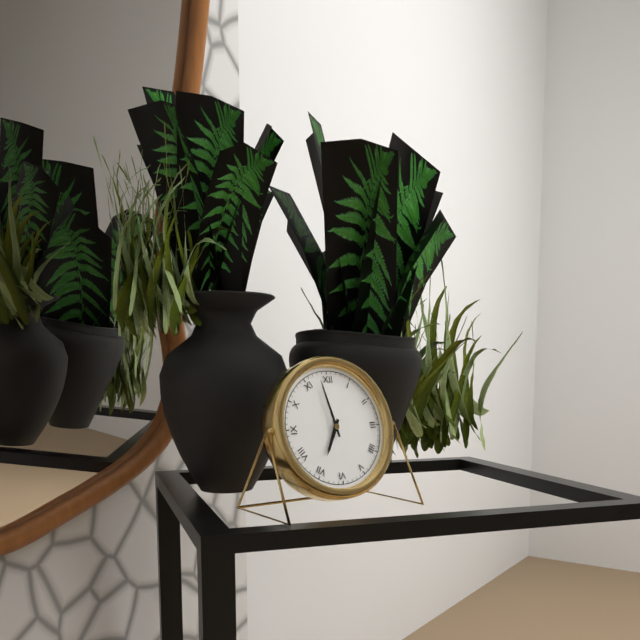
6:58
